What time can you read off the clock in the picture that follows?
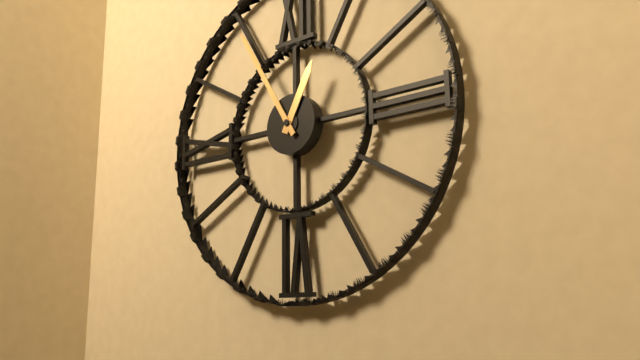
12:55
